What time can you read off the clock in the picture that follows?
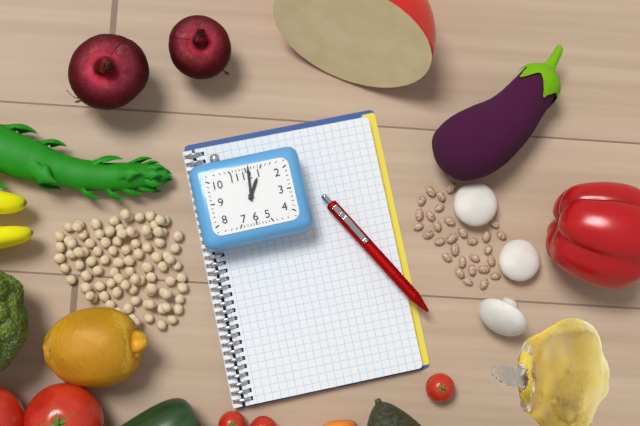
1:01
